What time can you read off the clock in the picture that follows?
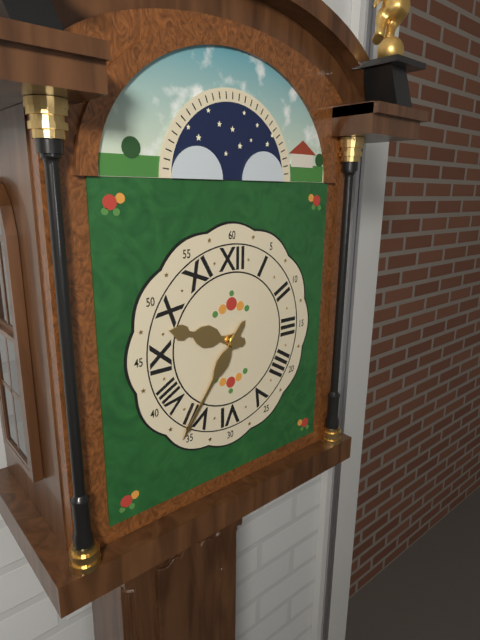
9:36
